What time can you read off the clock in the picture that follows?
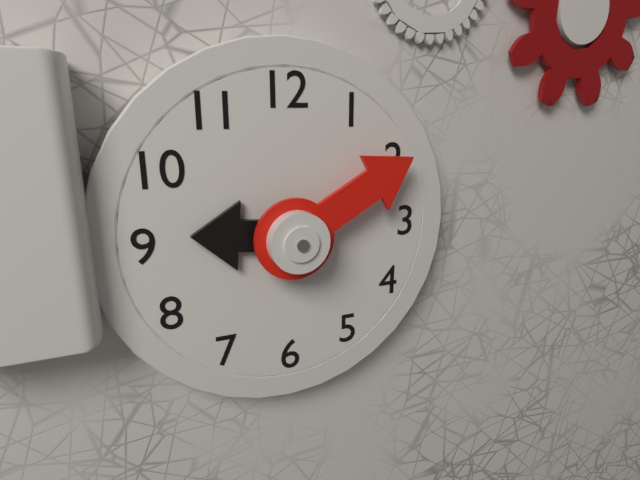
9:10
